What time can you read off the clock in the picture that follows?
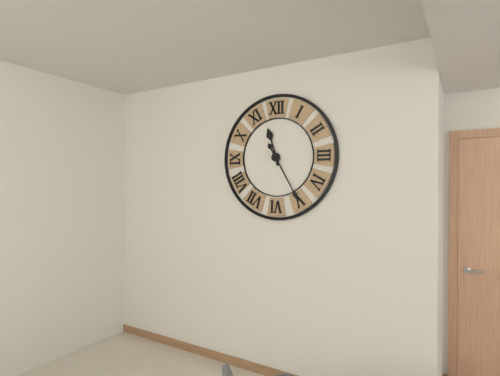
11:25
